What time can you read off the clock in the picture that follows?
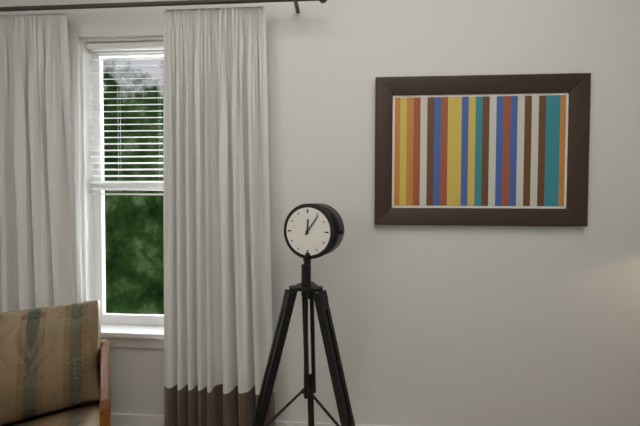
12:06
